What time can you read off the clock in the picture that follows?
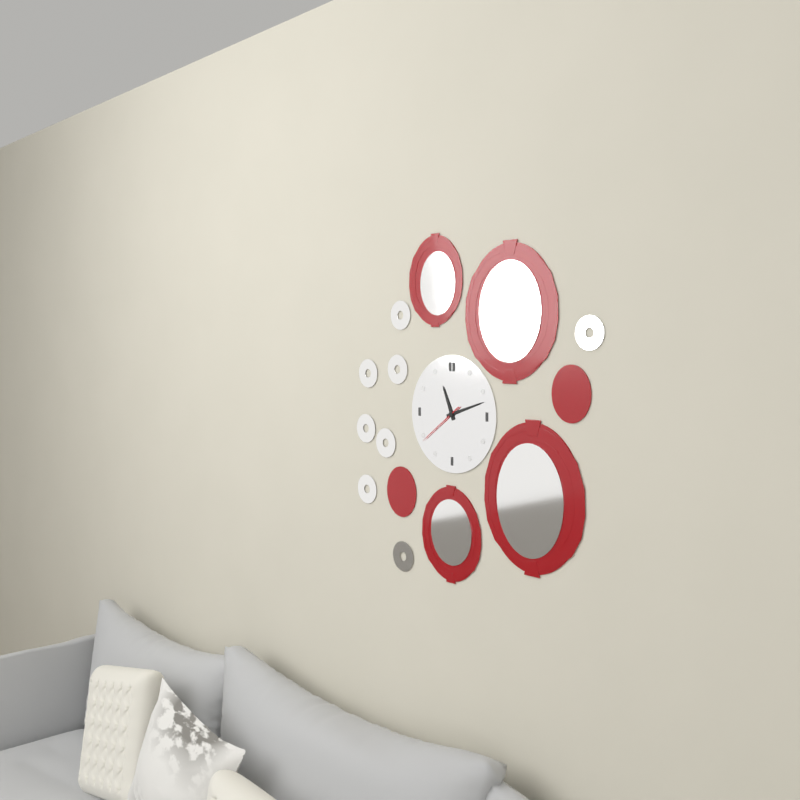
11:12
